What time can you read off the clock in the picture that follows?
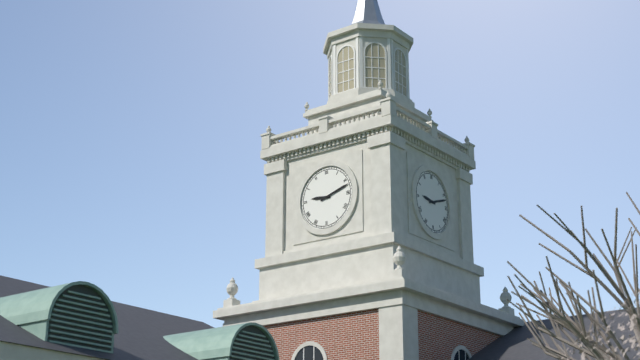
9:12
